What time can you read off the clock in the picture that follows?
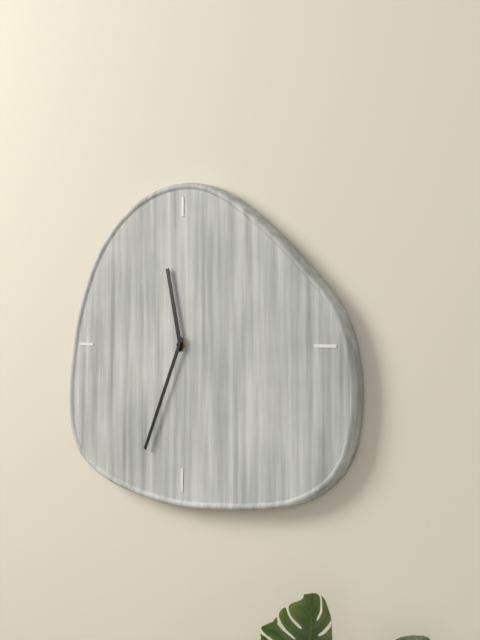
11:34
